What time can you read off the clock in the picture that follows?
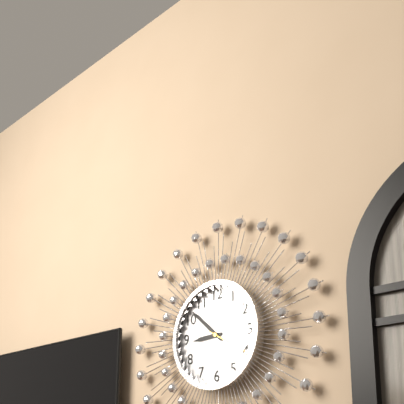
8:52
